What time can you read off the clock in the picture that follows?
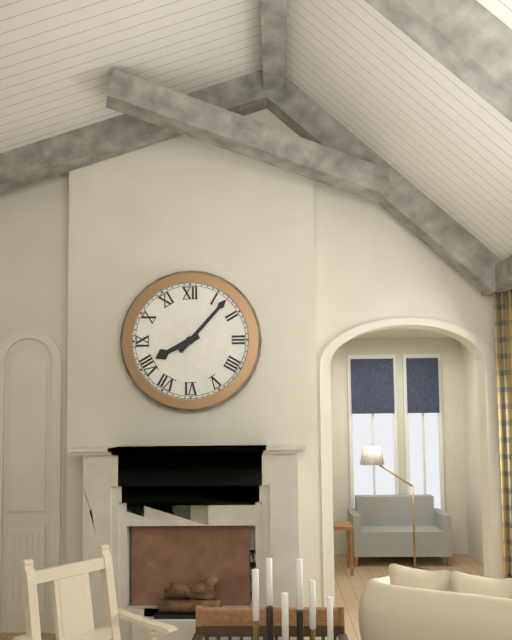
8:07
